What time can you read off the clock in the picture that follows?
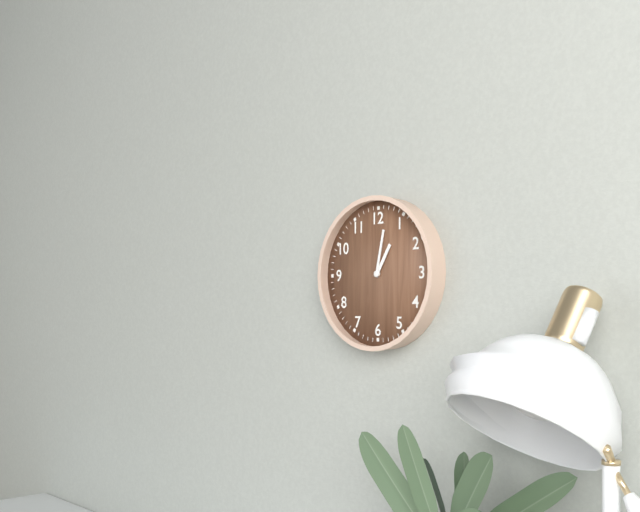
1:02
